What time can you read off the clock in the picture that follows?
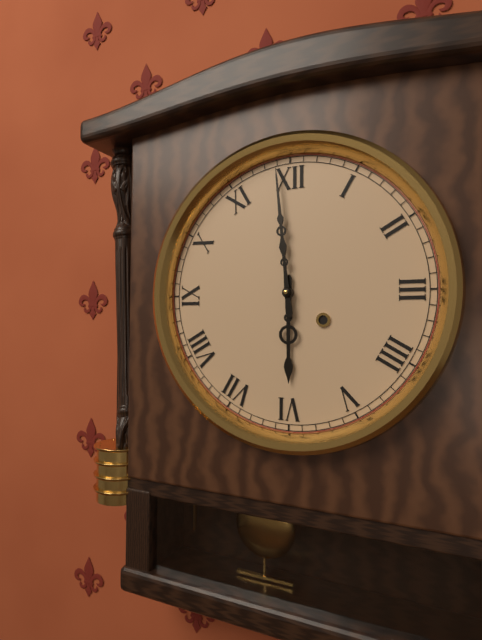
5:59
